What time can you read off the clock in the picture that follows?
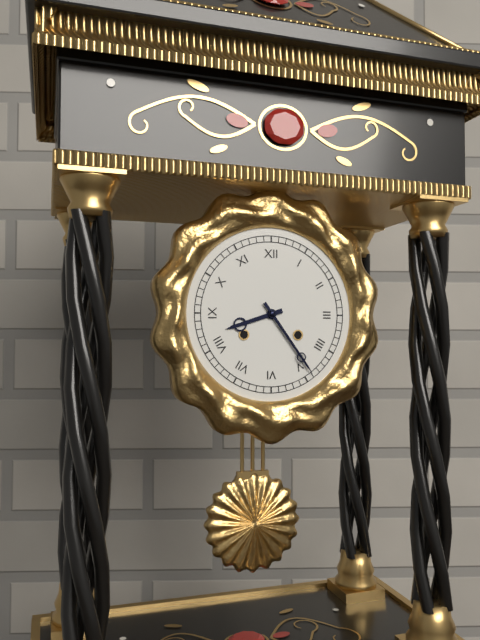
8:24
